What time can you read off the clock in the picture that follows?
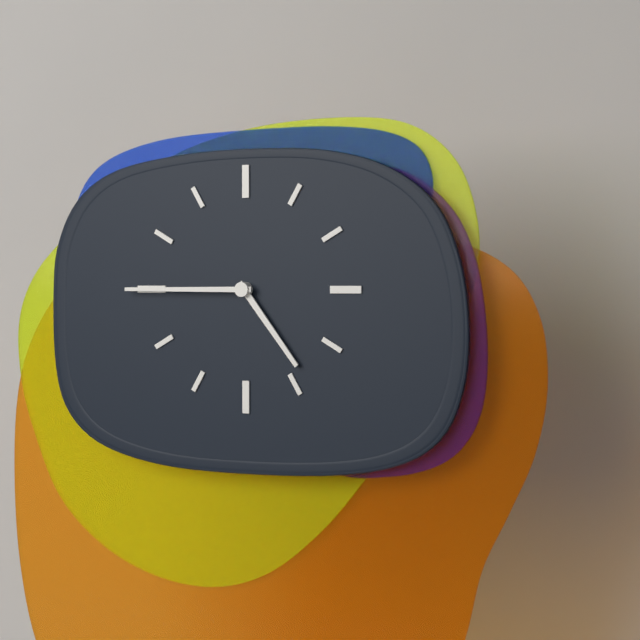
4:45
